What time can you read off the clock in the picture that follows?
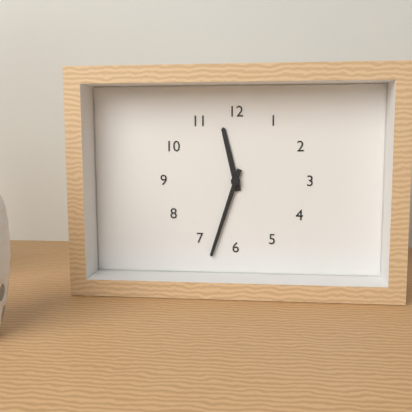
11:33
